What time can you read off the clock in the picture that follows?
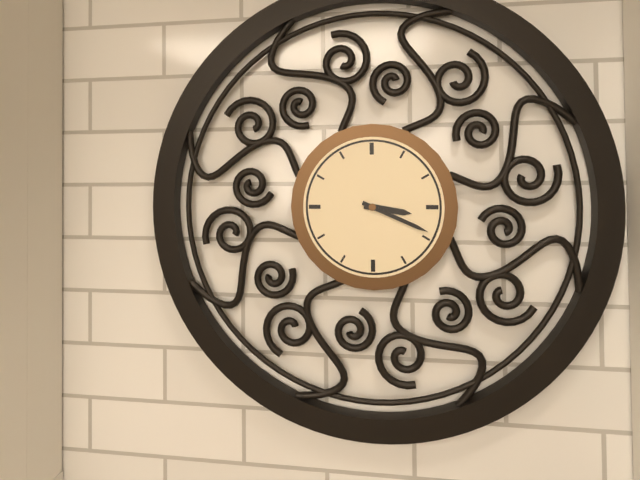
3:19
